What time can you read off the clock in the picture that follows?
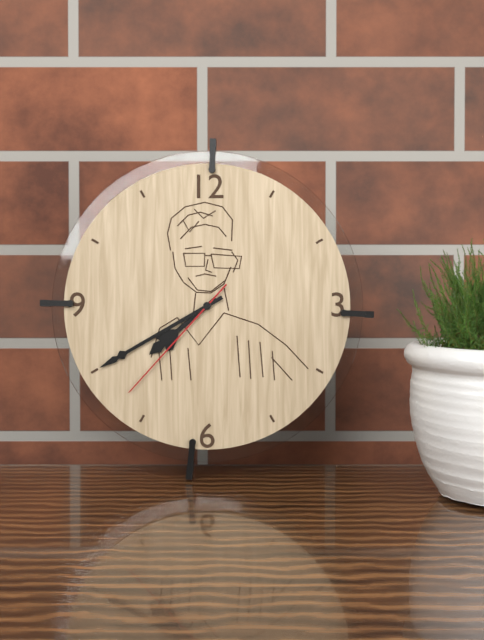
7:40:37
